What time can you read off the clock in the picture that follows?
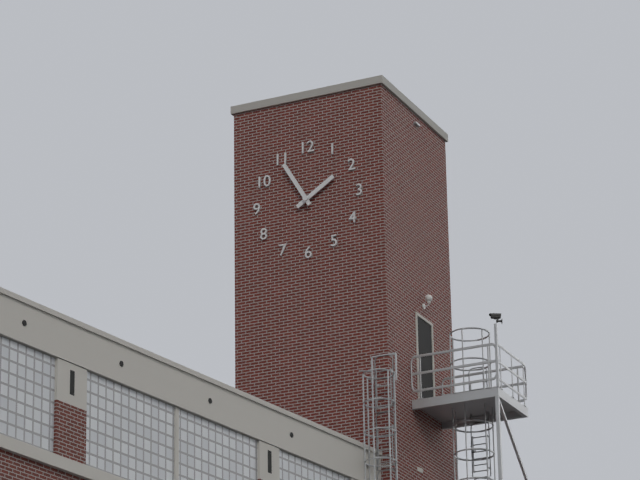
1:55
